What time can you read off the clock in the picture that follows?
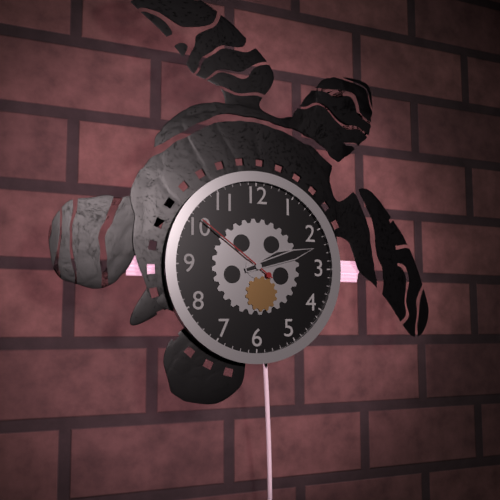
2:12:51
